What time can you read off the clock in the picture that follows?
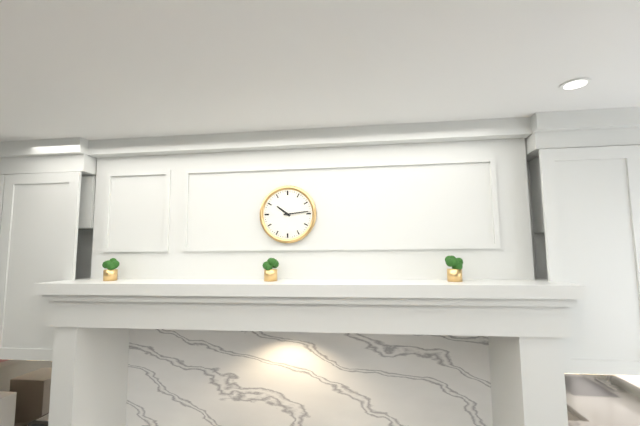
10:14
